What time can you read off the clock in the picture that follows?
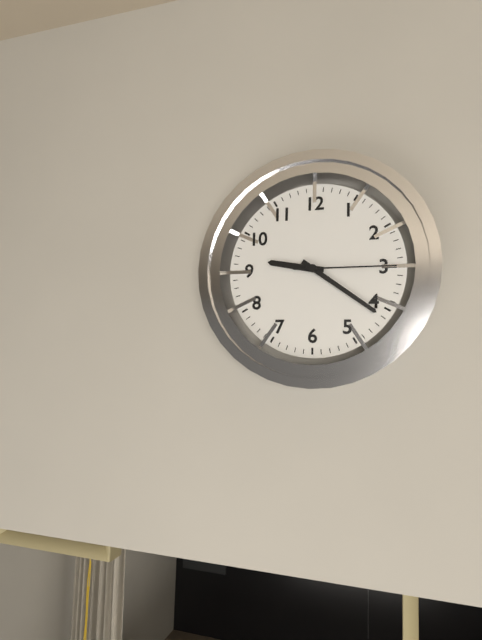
9:21:15
